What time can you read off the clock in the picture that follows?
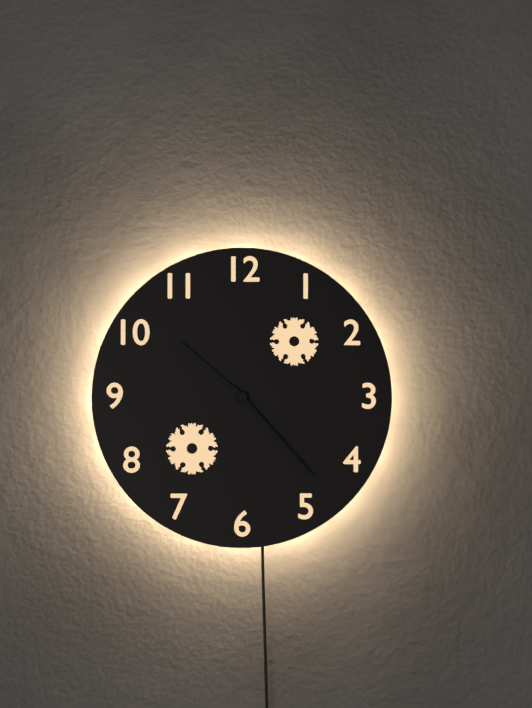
10:23
